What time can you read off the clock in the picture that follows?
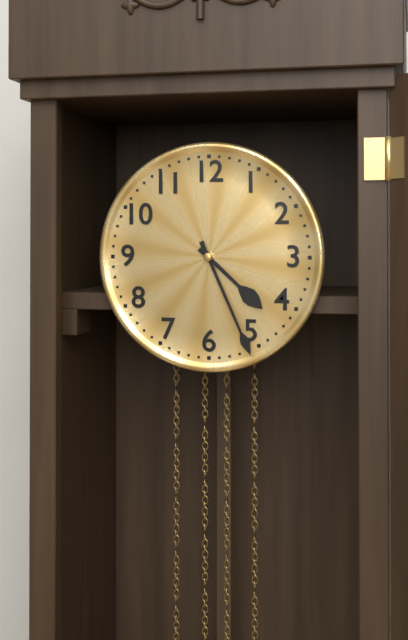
4:26
